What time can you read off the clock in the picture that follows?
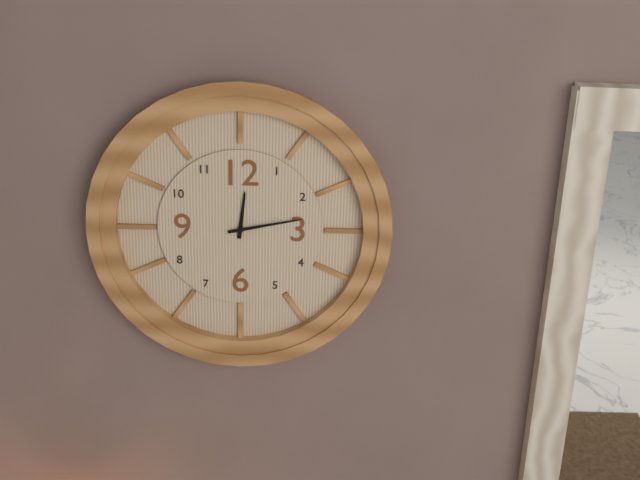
12:13
